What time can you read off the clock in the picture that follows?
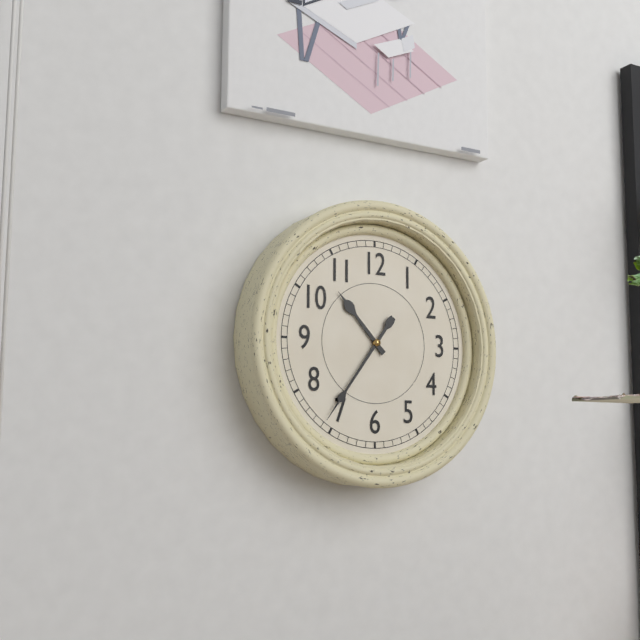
10:36
